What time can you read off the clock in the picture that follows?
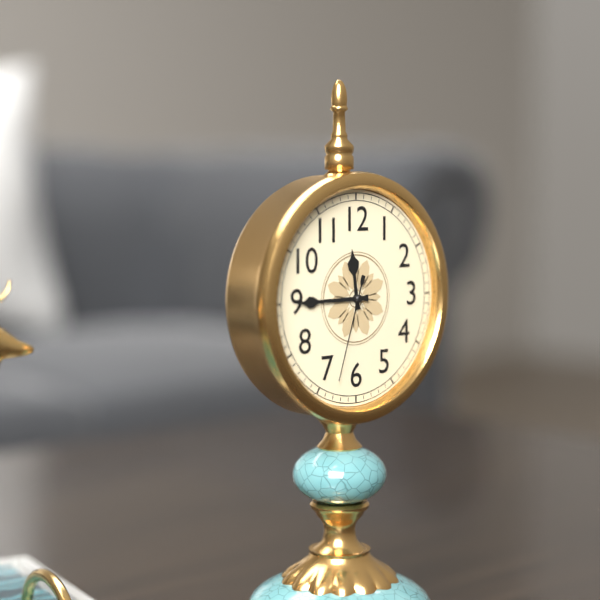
11:45:33
